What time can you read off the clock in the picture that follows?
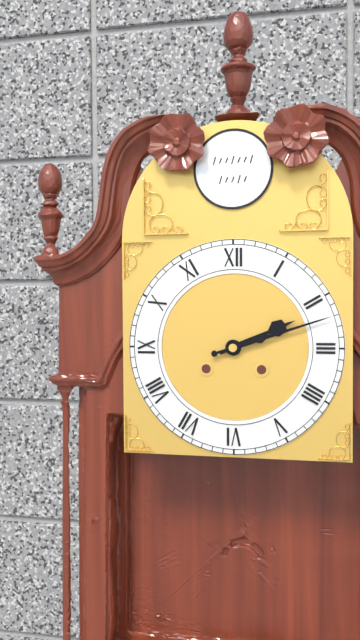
2:12
